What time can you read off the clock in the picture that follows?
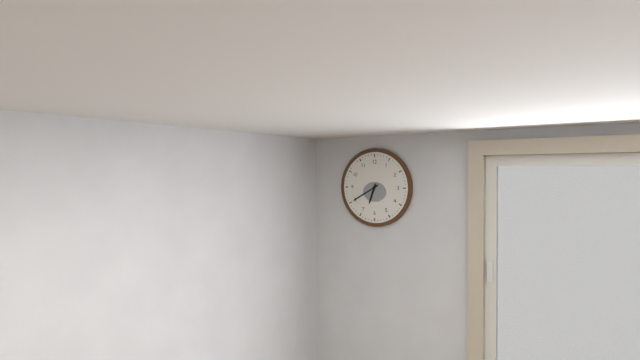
6:40
